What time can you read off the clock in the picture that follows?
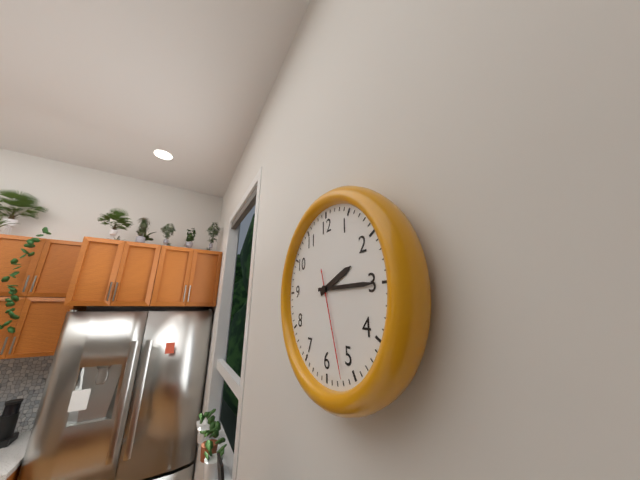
2:15:27
